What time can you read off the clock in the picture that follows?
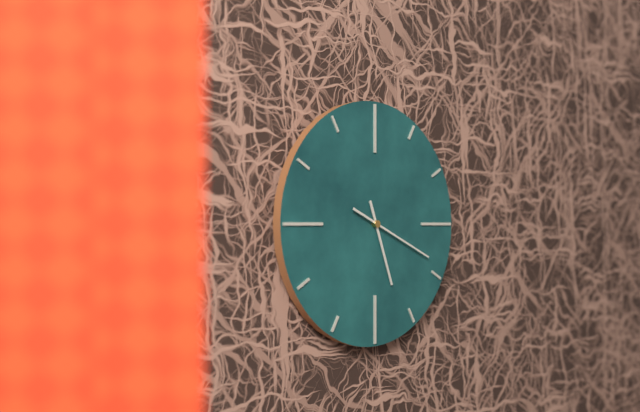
5:19
